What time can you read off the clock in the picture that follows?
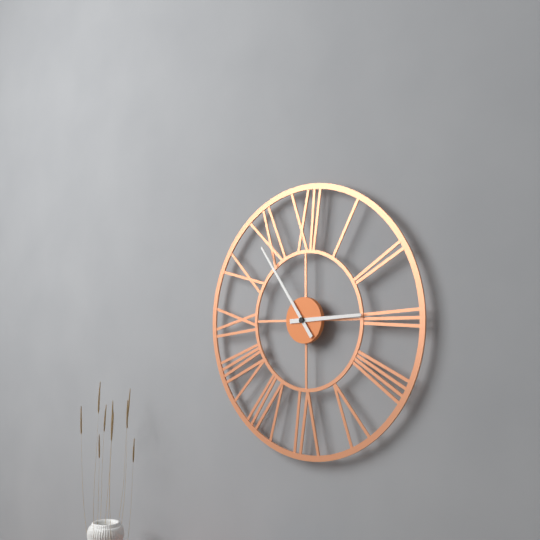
2:54
